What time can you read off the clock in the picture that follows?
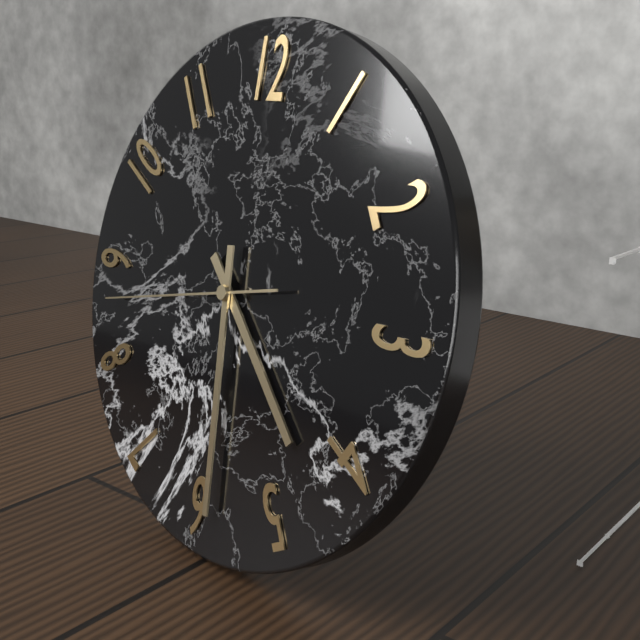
4:29:43
